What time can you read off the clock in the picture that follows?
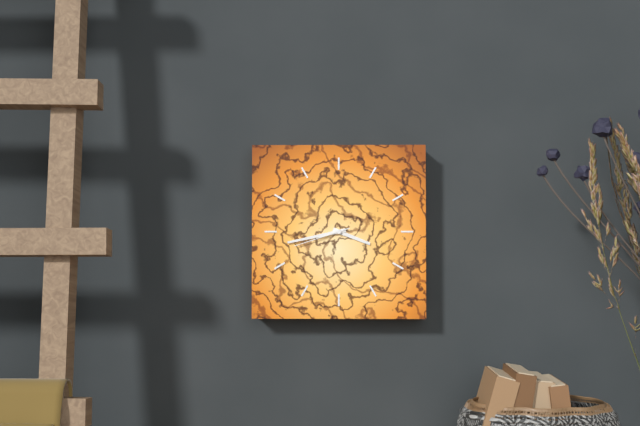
3:43:42
